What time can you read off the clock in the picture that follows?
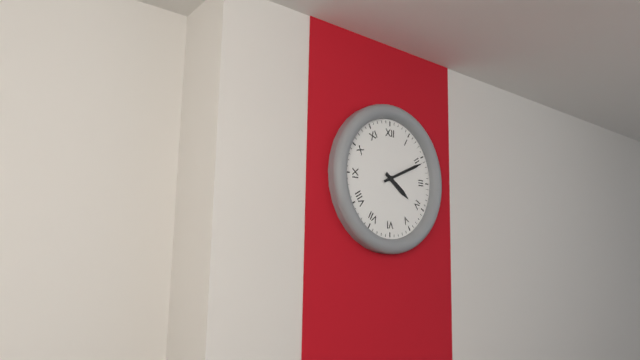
4:11
